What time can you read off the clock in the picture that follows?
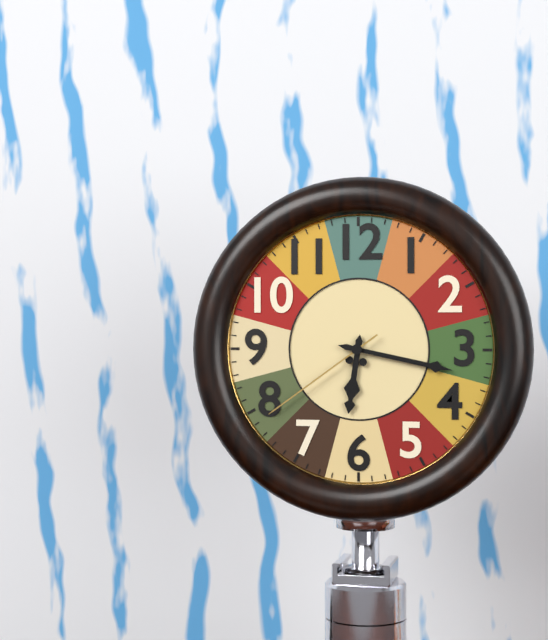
6:17:39
